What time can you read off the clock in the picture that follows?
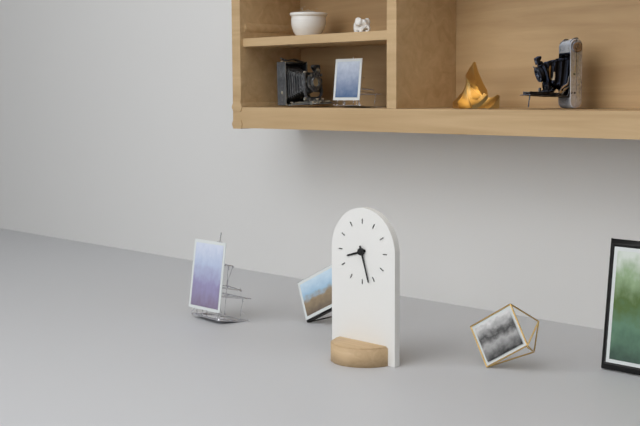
8:27
